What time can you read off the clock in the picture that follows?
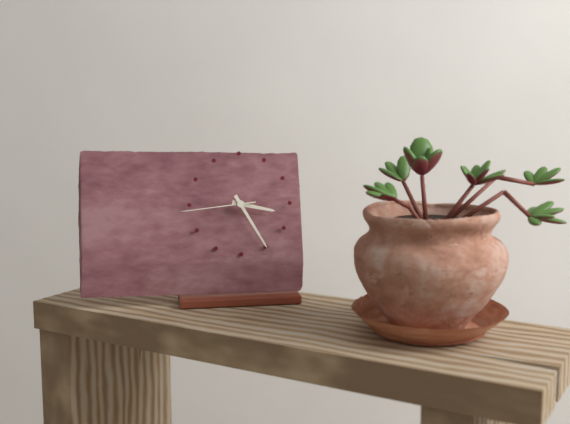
3:25:44
